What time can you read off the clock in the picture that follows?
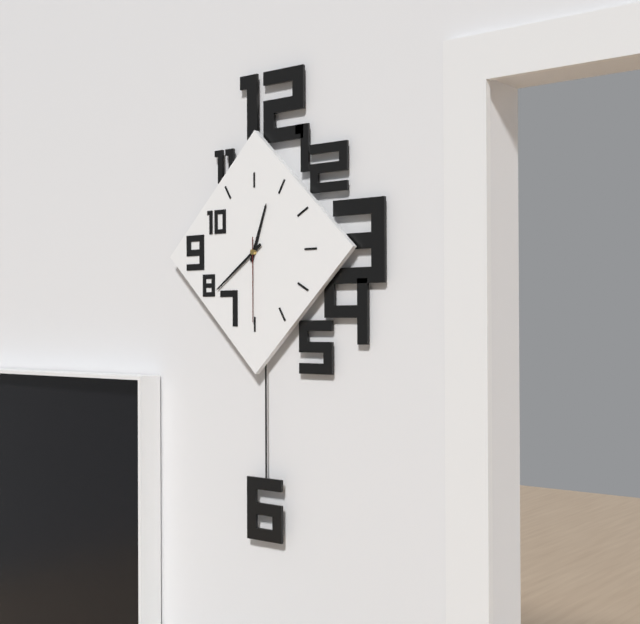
12:39:30
